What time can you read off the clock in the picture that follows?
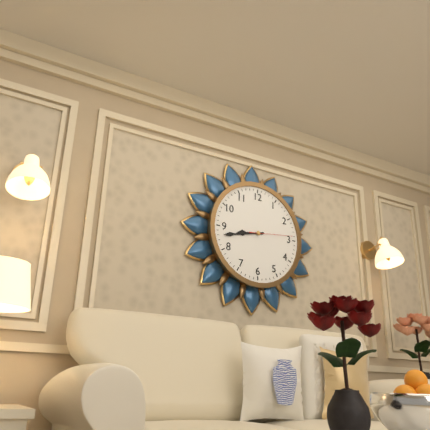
8:43
